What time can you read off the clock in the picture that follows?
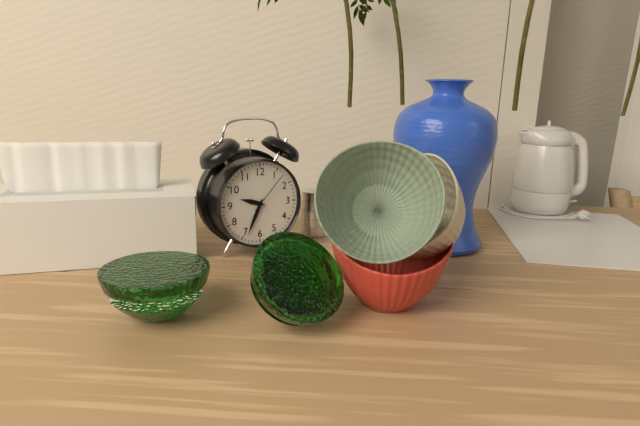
9:34
